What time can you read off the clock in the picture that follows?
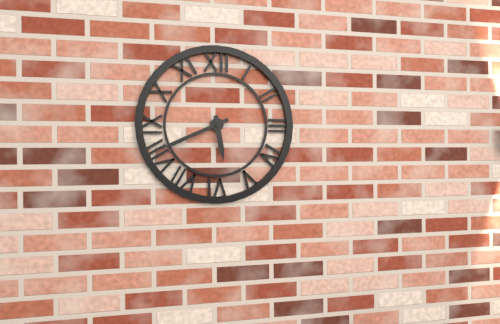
5:41
